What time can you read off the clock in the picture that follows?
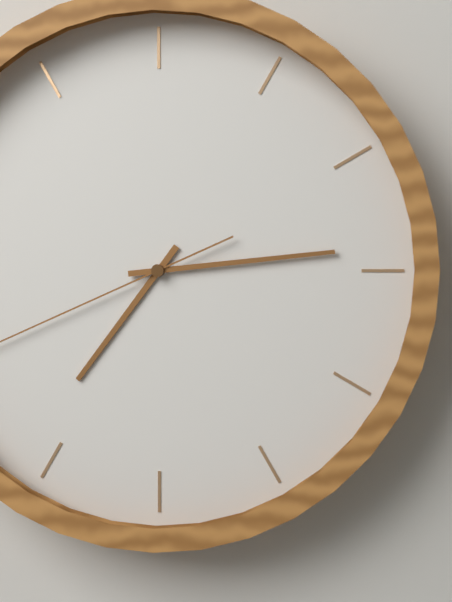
7:14
